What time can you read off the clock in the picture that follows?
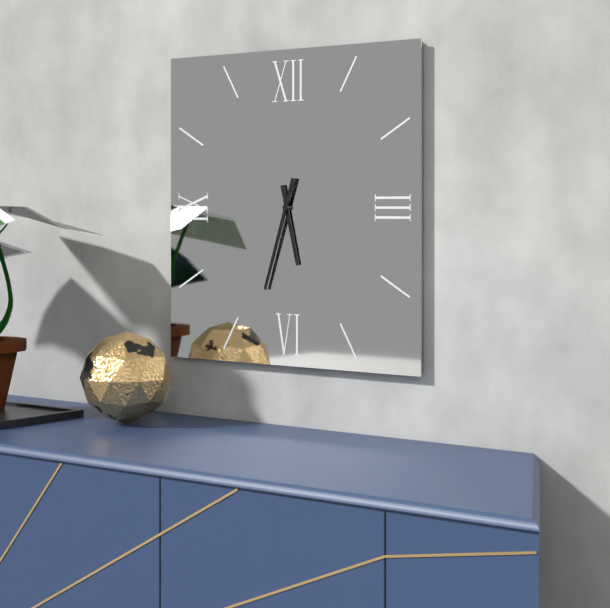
5:33
